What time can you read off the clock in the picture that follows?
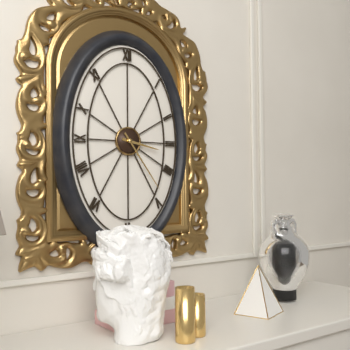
3:24
